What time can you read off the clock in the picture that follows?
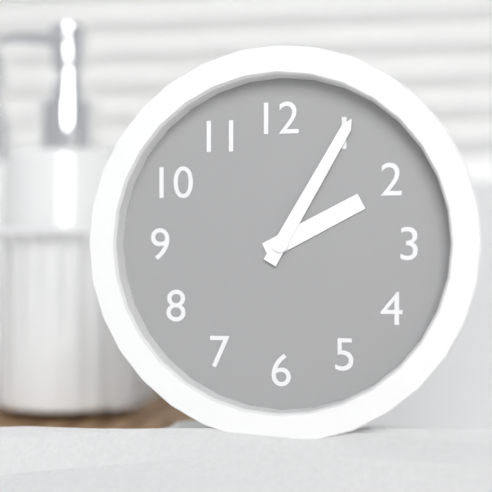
2:05
